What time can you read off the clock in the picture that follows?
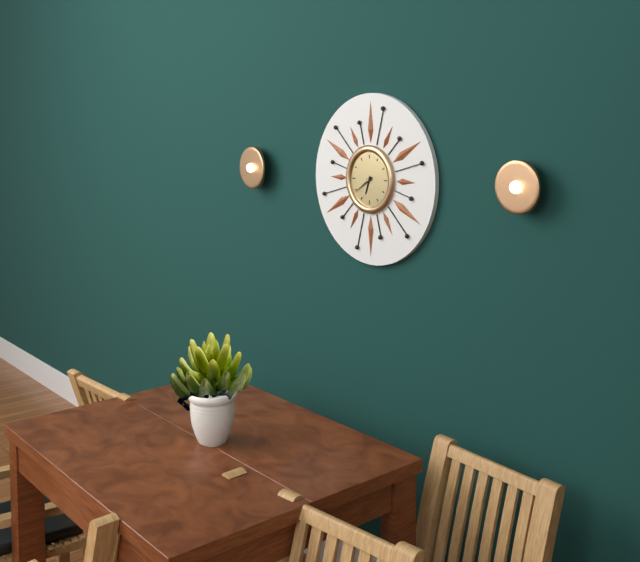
6:39
